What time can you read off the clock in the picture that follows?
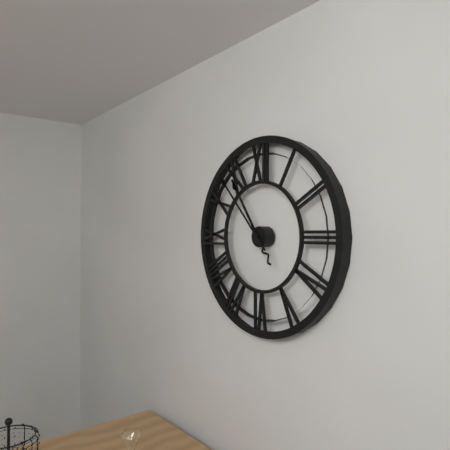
10:53
